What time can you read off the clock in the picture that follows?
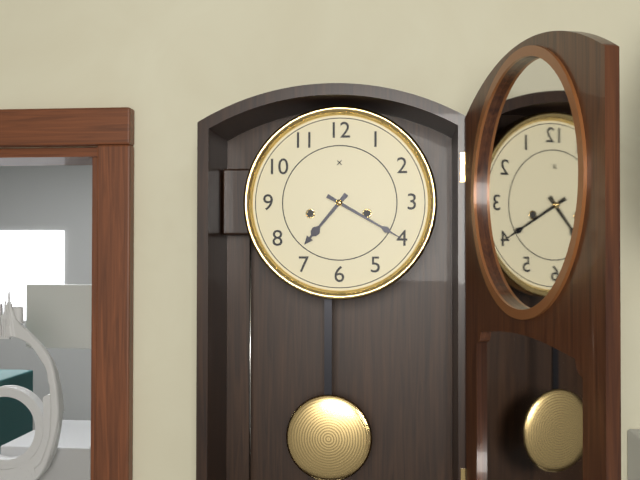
7:20
